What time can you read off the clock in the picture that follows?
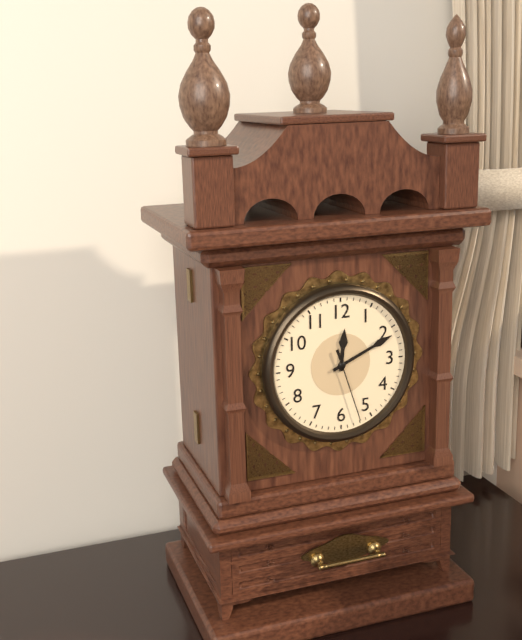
12:11:27
